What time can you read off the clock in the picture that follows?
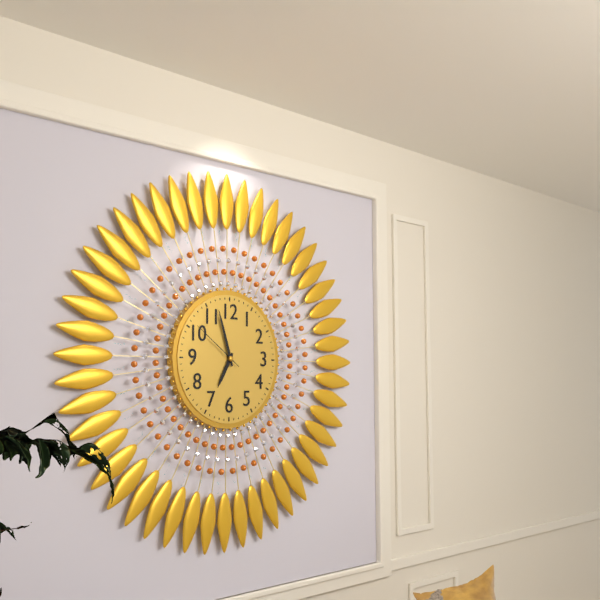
6:57:51
